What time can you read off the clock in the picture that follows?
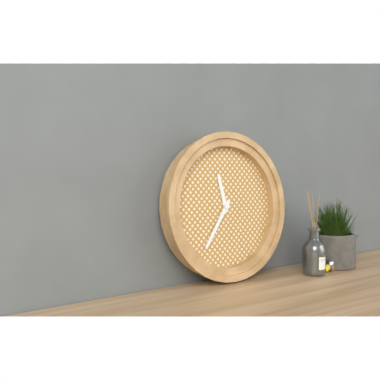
11:36
